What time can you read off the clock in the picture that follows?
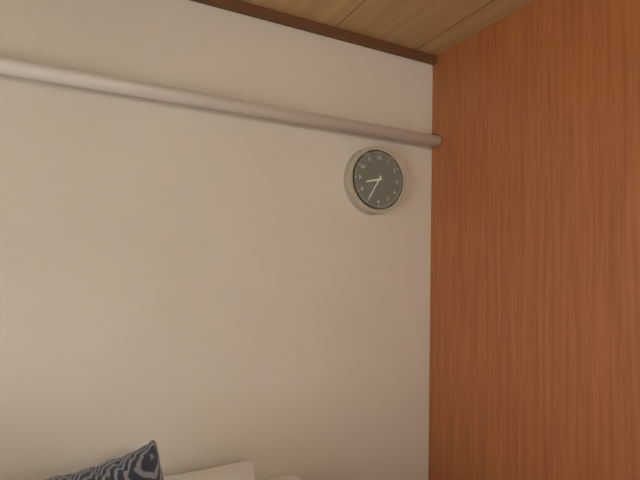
8:35
